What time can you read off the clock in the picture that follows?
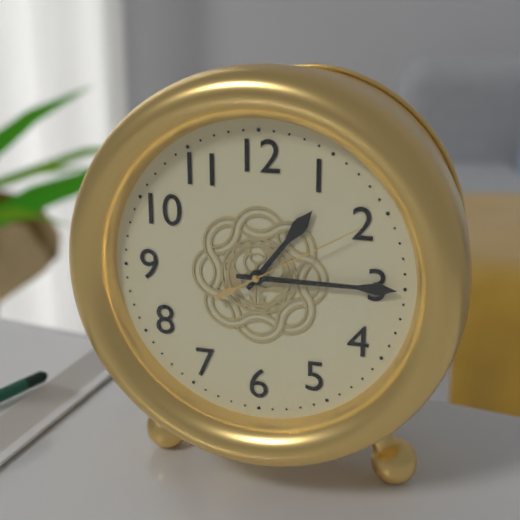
1:15:10
